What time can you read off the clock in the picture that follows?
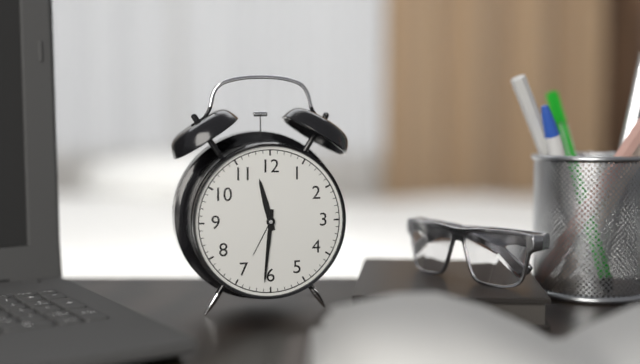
11:31
